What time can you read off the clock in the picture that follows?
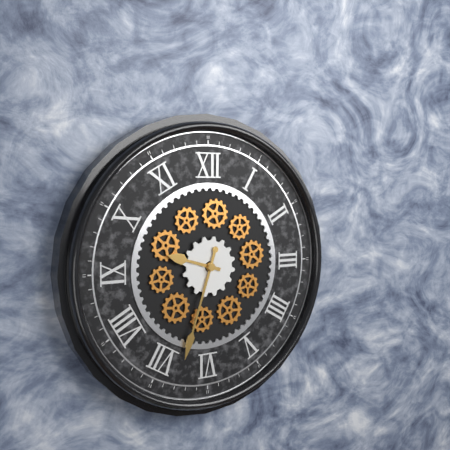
9:33
